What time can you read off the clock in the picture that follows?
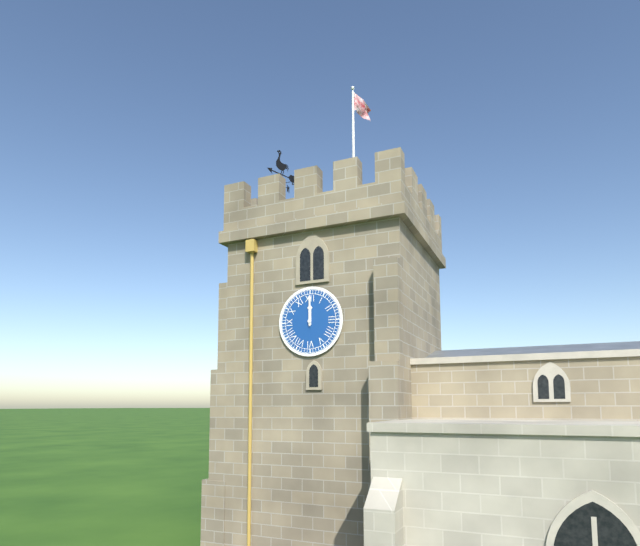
12:00
